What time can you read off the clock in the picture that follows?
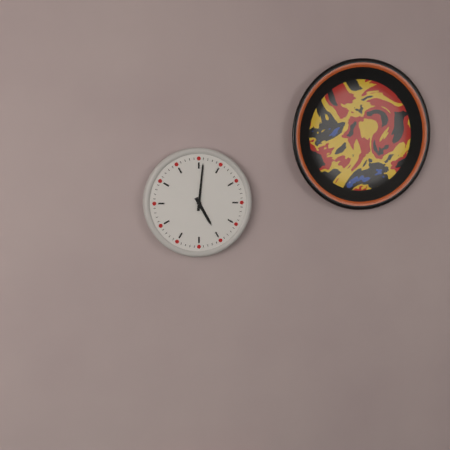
5:01
